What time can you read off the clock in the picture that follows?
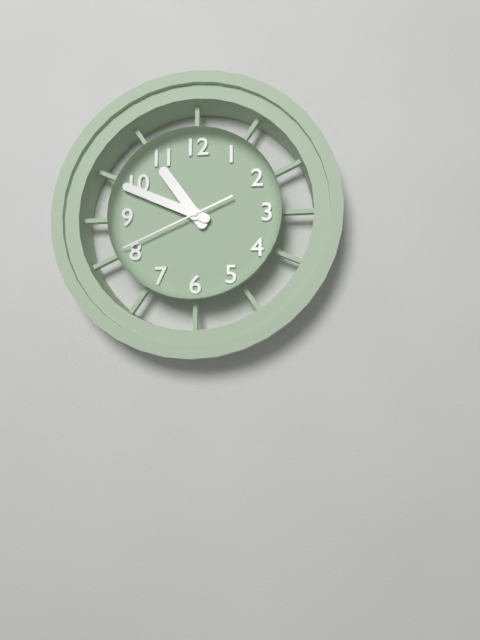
10:49:41
